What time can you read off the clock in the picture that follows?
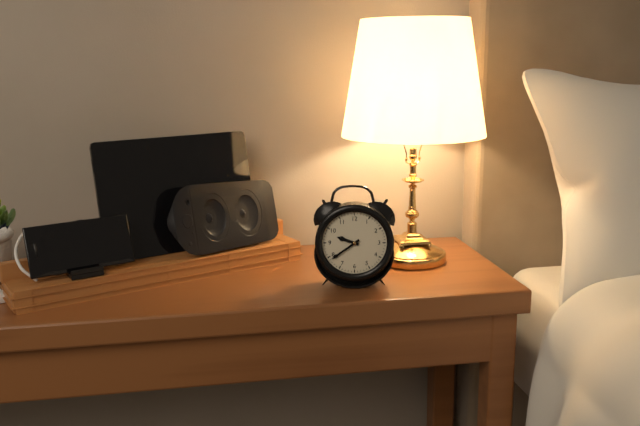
9:39
